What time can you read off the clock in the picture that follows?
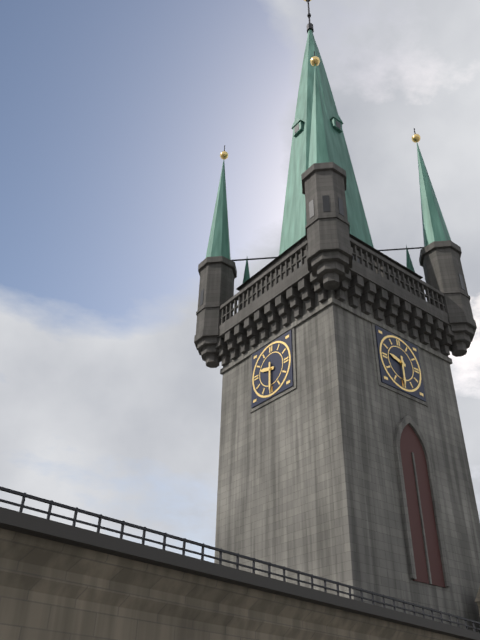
9:30
